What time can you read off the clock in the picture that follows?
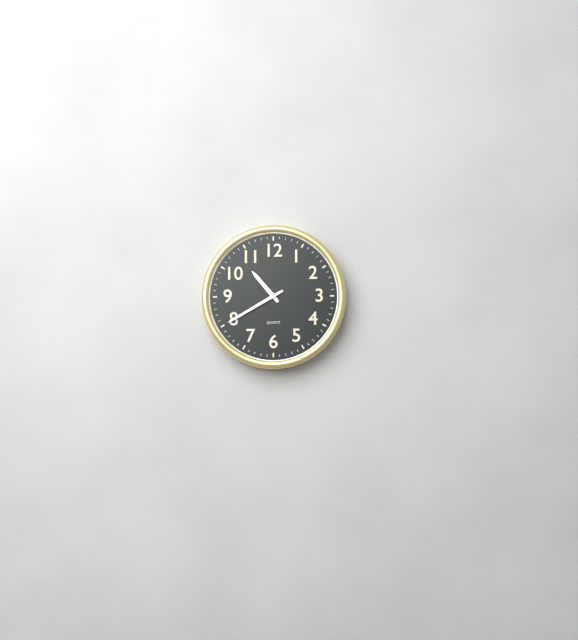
10:40
